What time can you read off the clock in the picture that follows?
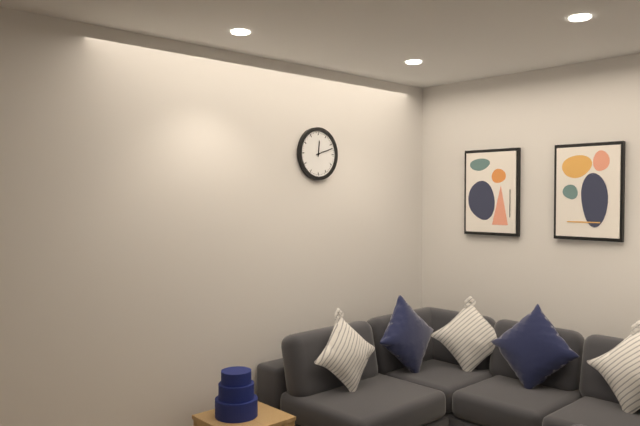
12:12
